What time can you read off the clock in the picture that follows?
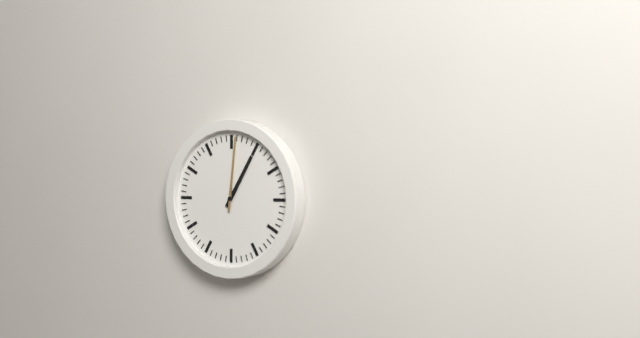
1:01
